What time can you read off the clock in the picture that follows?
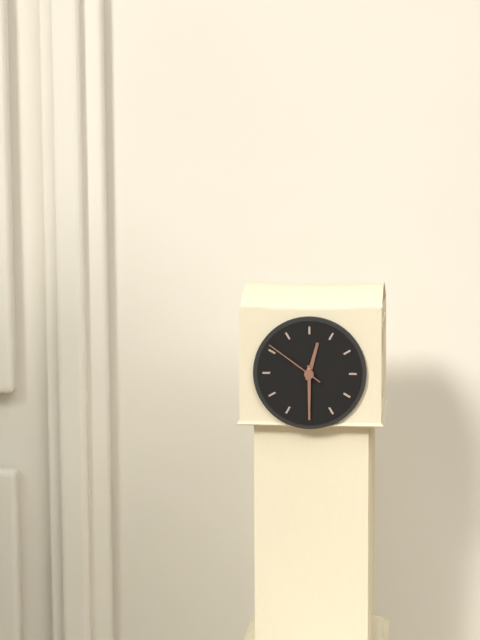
12:30:51
